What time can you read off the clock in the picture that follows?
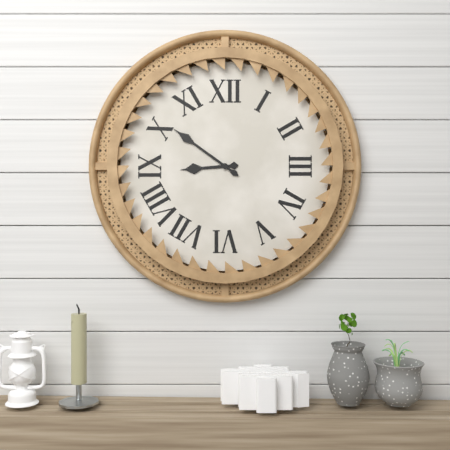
8:51
